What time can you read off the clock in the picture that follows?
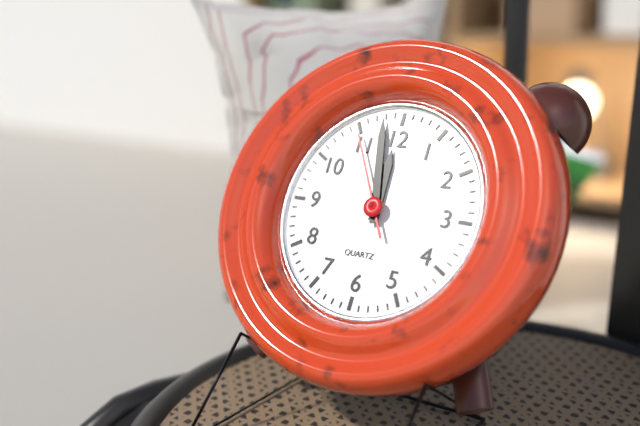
11:58:55
